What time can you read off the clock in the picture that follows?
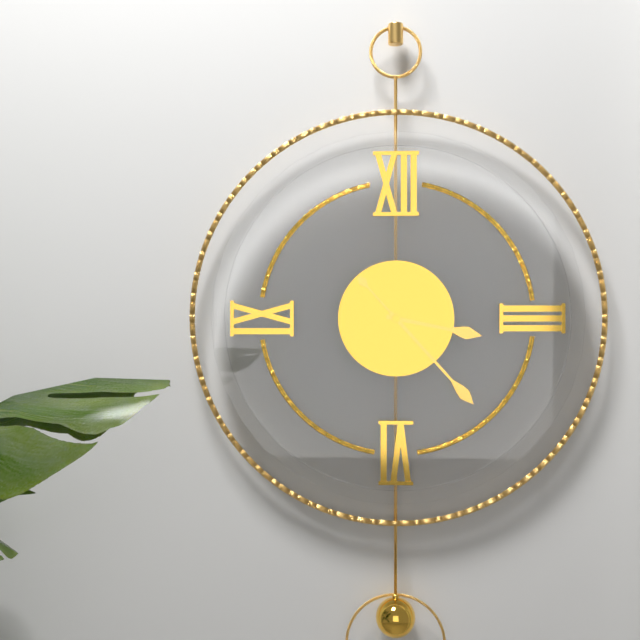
3:23
